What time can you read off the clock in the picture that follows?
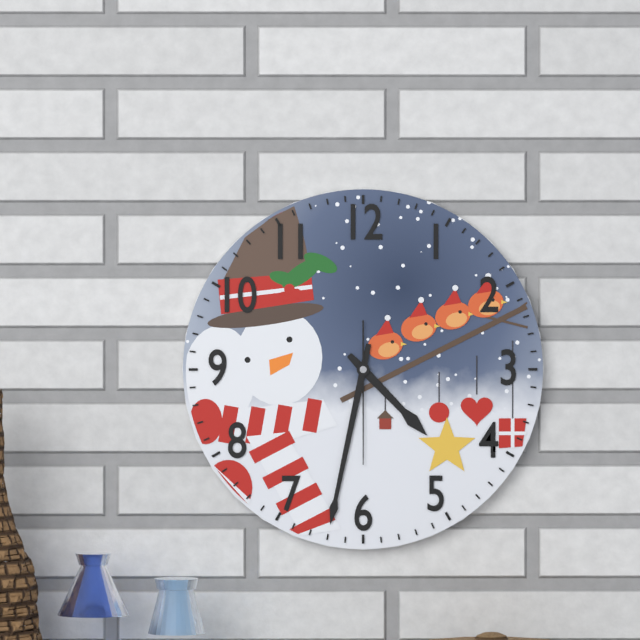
4:32:30
